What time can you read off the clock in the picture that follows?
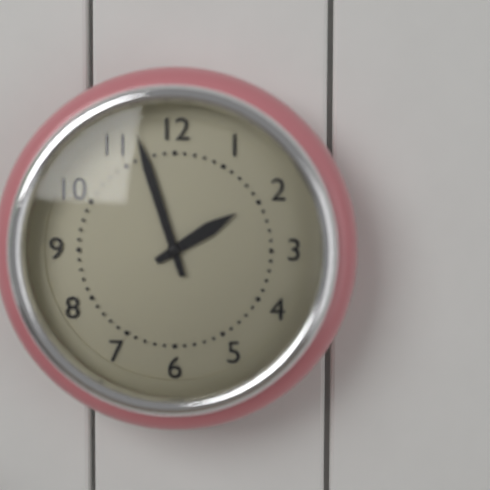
1:57
